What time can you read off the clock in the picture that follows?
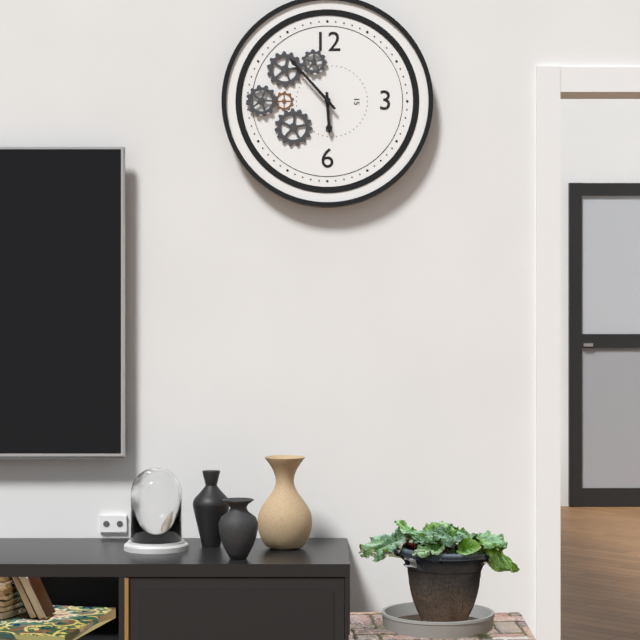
5:53
